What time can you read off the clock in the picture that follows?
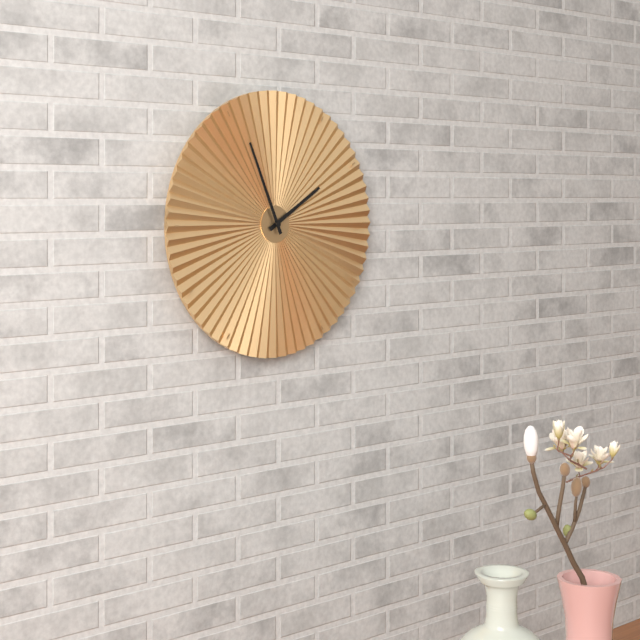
1:56
